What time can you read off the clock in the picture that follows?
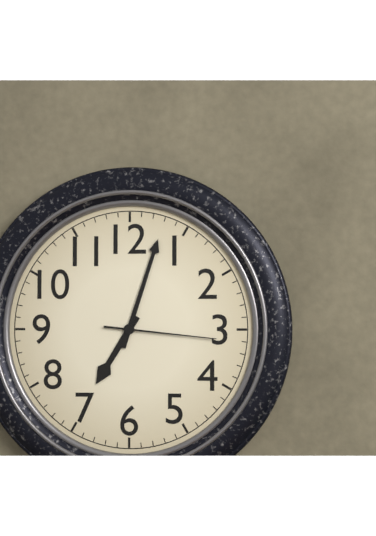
7:03:16
